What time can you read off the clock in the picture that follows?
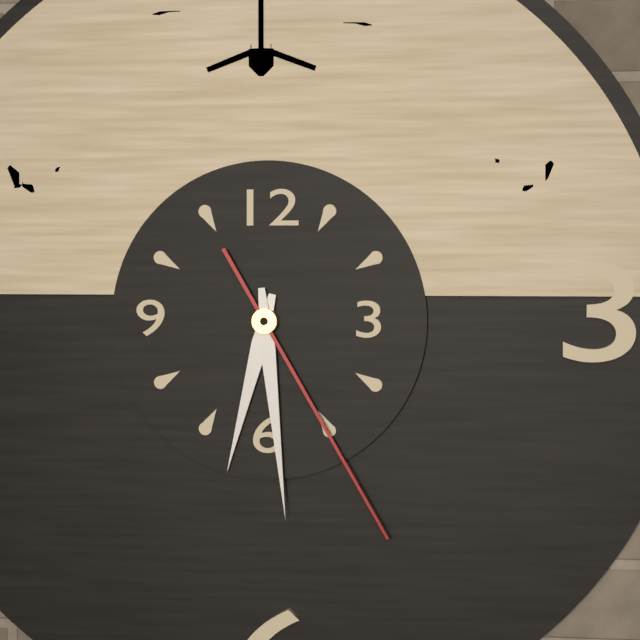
6:29:25
